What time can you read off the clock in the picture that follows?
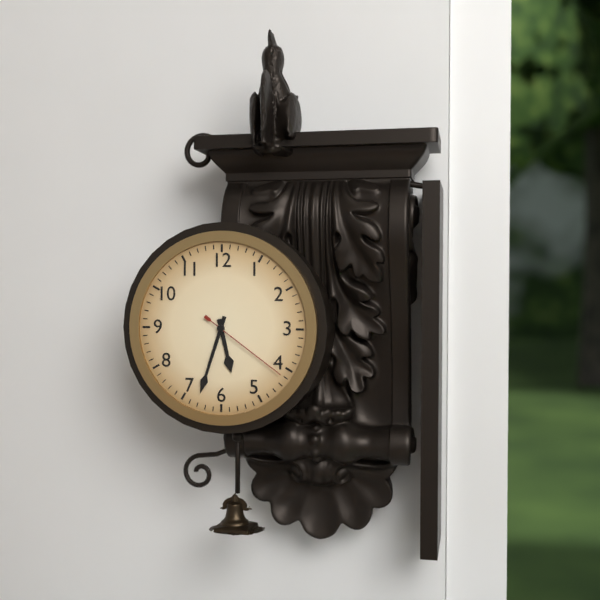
5:33:21
